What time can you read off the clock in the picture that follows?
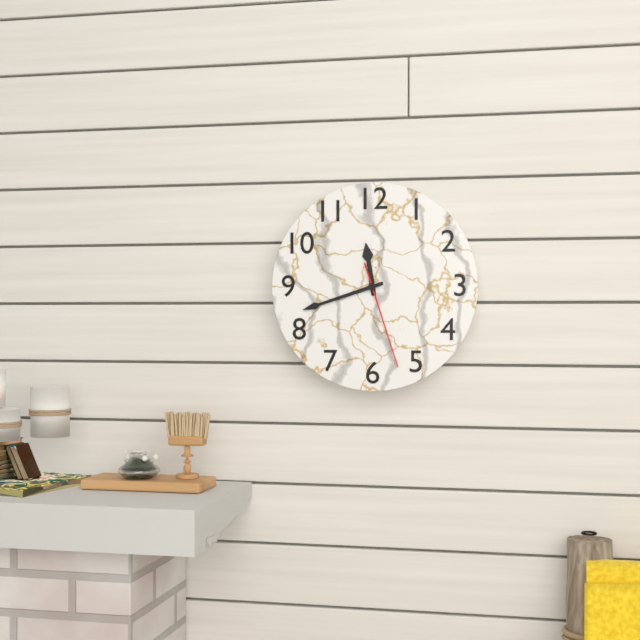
11:42:27
